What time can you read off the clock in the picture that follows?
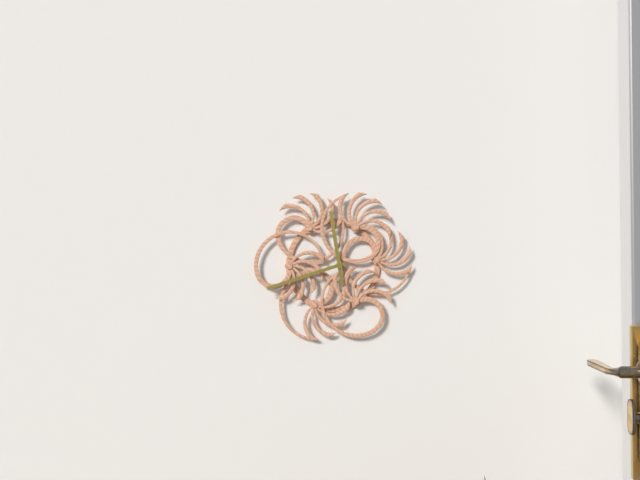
11:42
